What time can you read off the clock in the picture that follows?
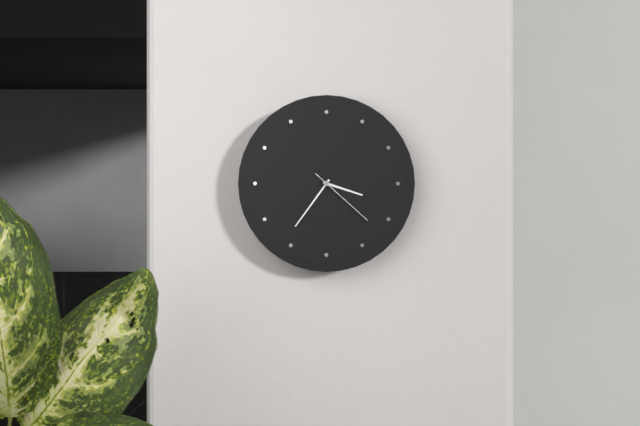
3:36:22
